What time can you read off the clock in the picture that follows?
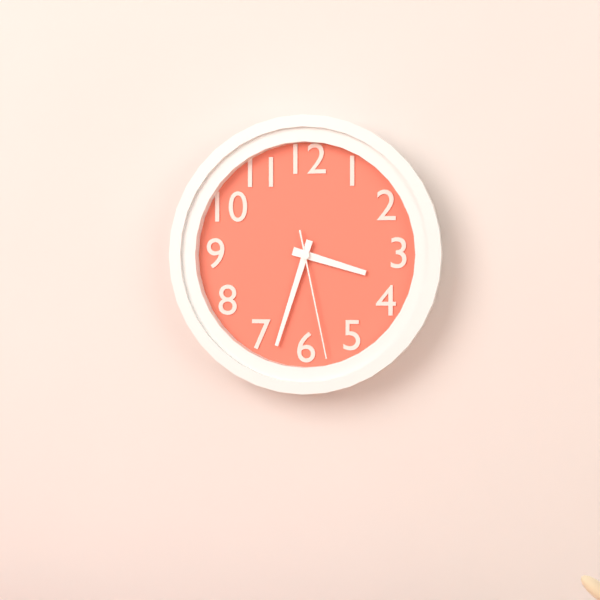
3:33:28
